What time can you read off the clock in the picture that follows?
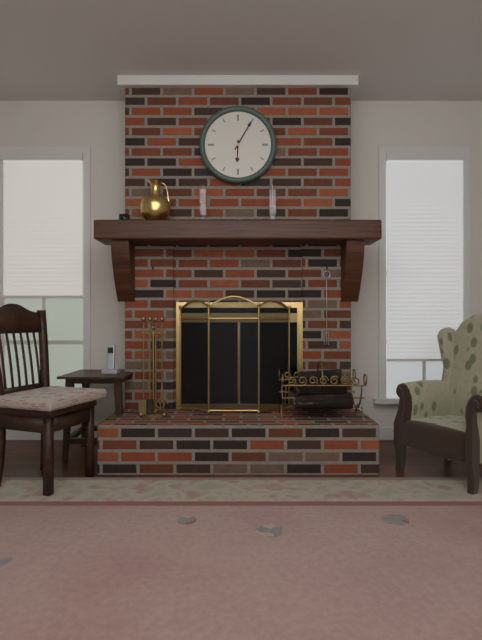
6:05
